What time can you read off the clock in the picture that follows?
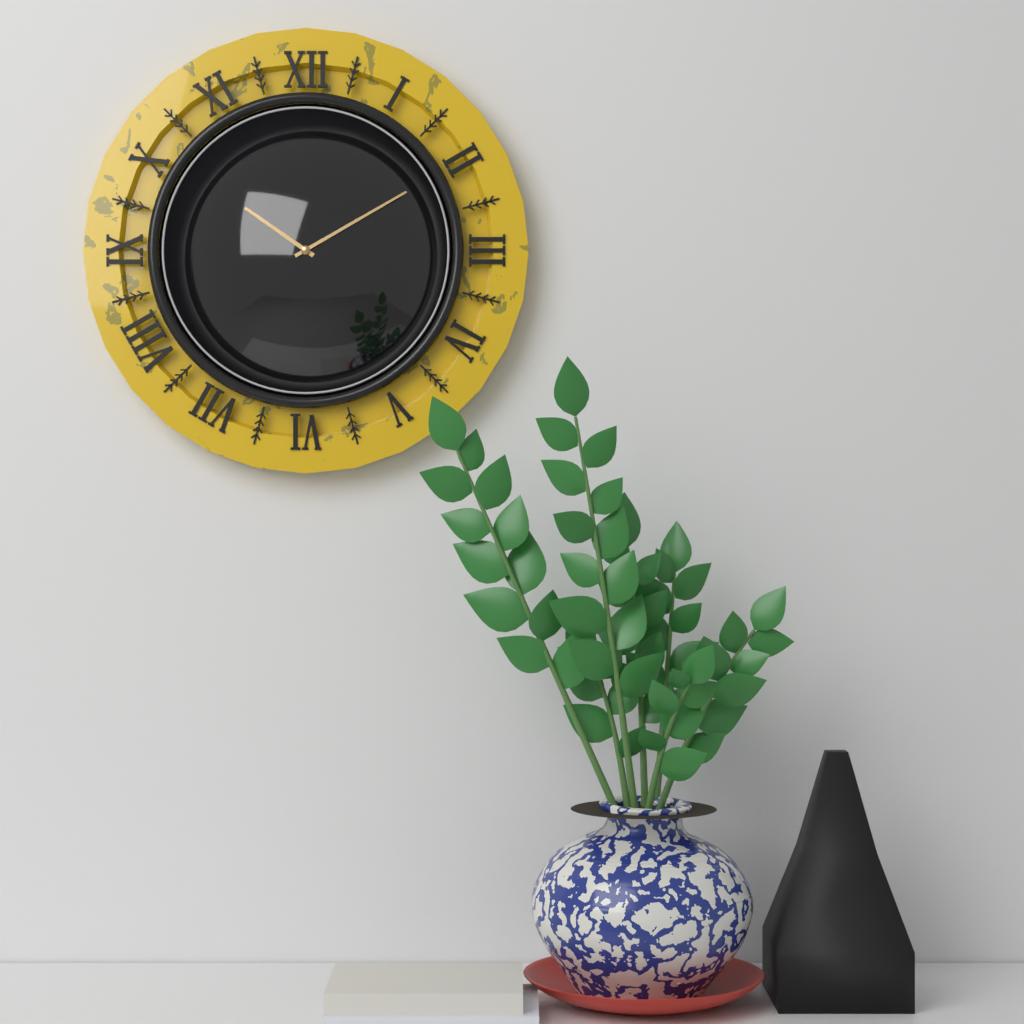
10:10
